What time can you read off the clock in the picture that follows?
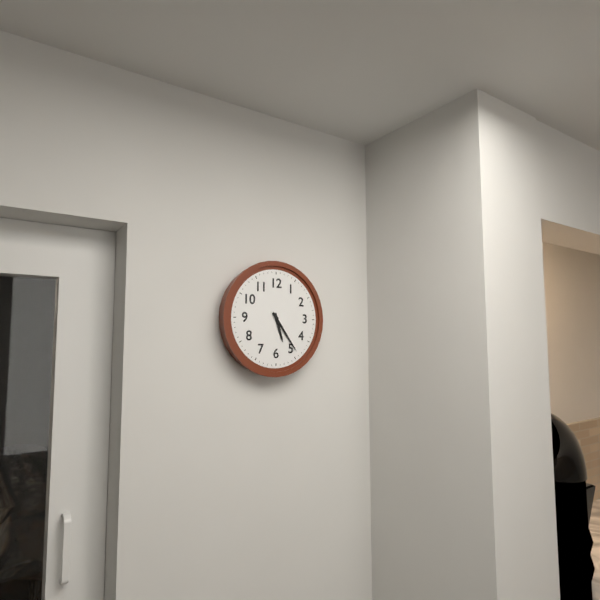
5:24
